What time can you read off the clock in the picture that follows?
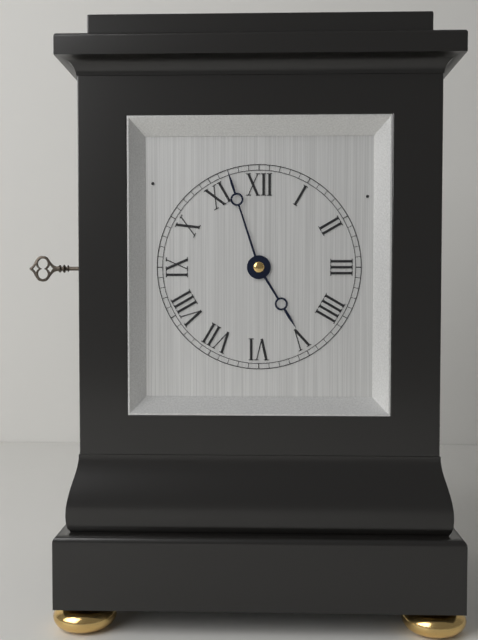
4:57
